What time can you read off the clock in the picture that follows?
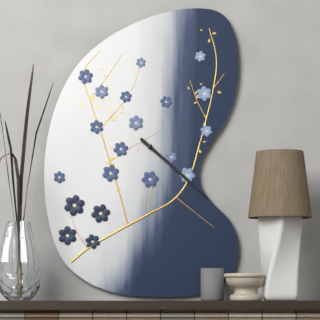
4:22
